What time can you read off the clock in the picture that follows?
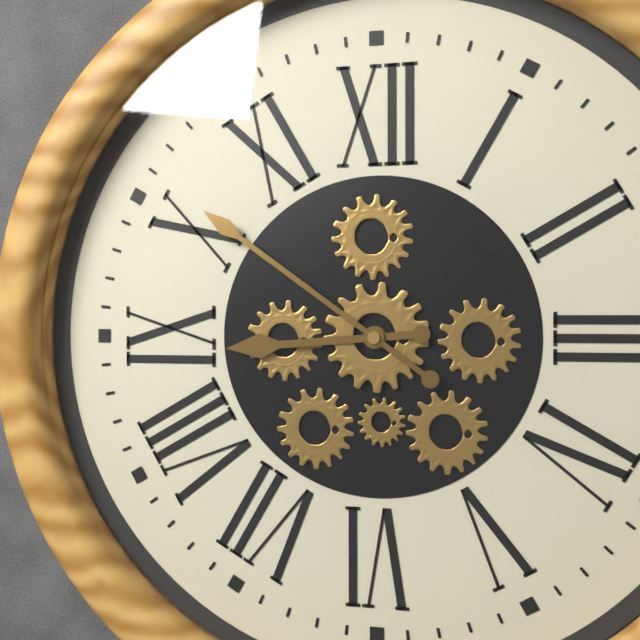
8:51
